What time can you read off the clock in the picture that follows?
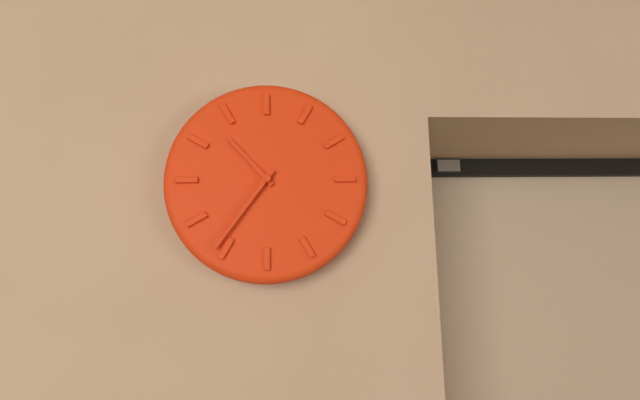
10:36
